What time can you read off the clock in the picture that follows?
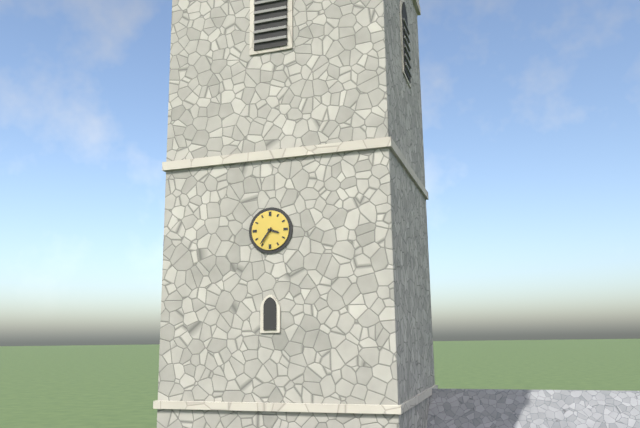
3:36
